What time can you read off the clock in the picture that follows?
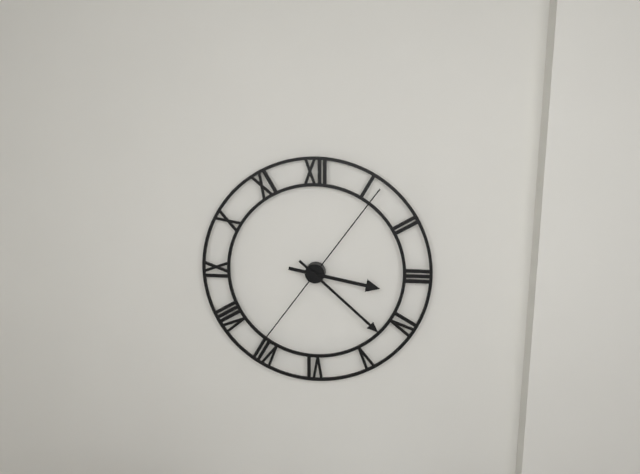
3:22:06
